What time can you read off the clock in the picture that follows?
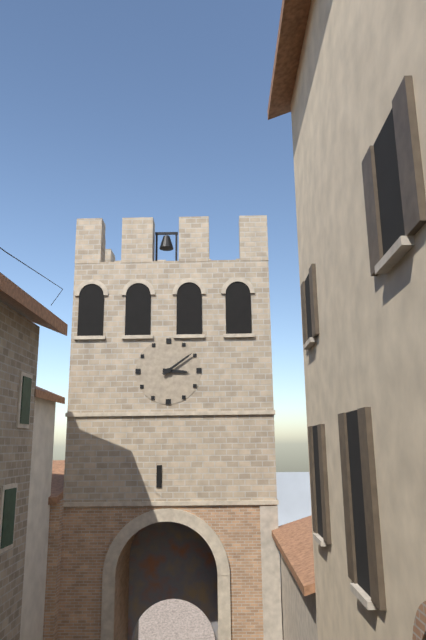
3:09
